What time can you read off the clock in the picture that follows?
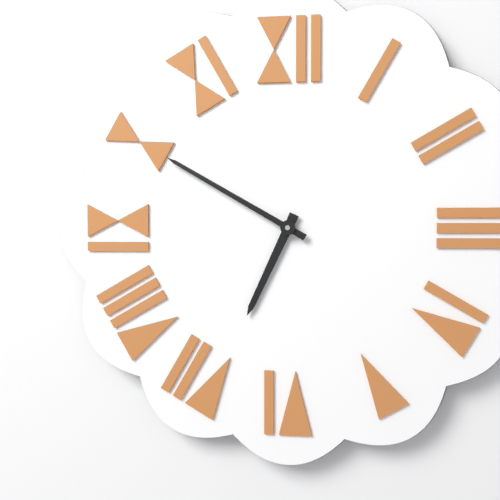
6:50
